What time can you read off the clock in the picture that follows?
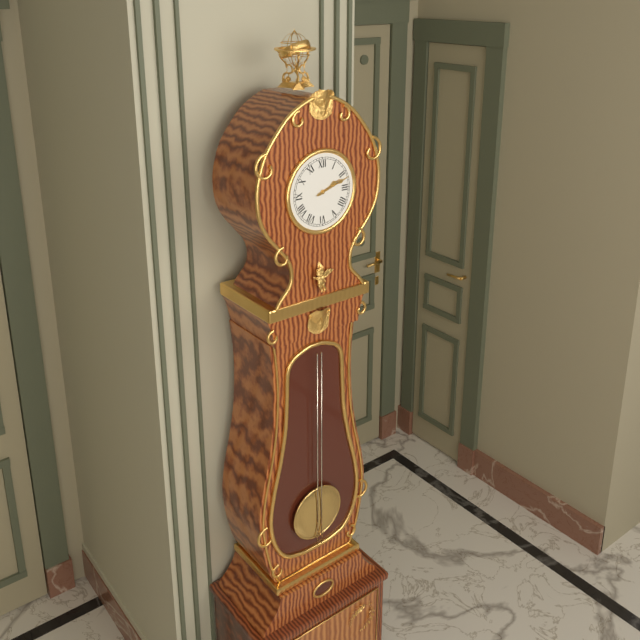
2:12
